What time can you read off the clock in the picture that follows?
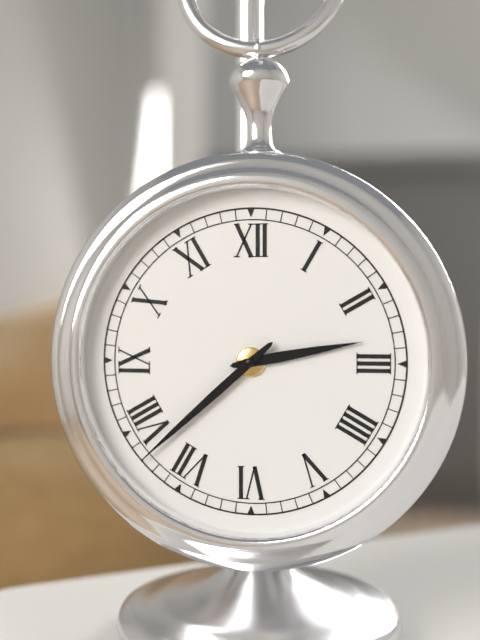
2:38
